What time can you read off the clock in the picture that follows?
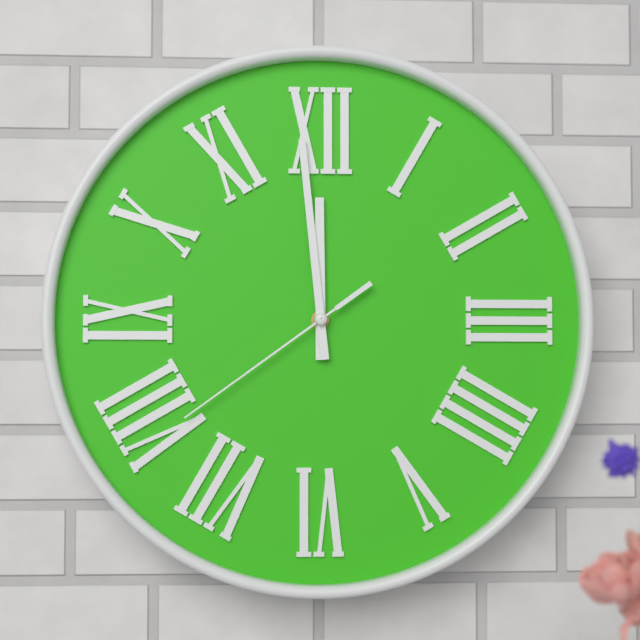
11:59:39
